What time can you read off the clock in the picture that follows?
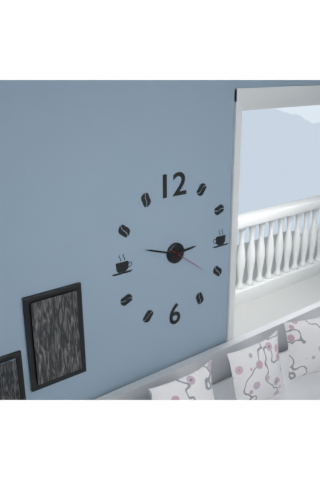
2:48
